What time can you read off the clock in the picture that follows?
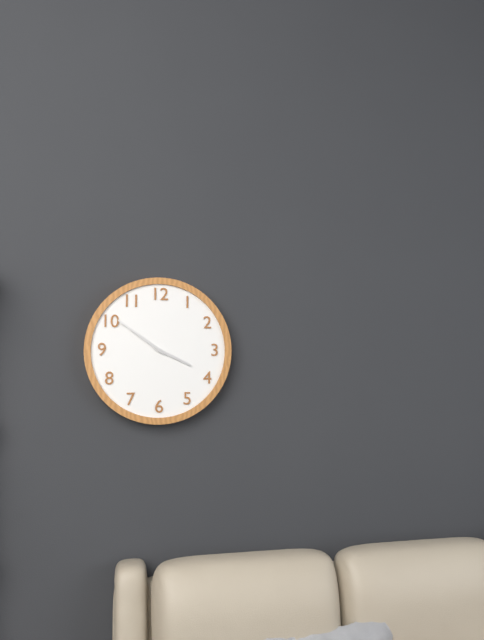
3:51
